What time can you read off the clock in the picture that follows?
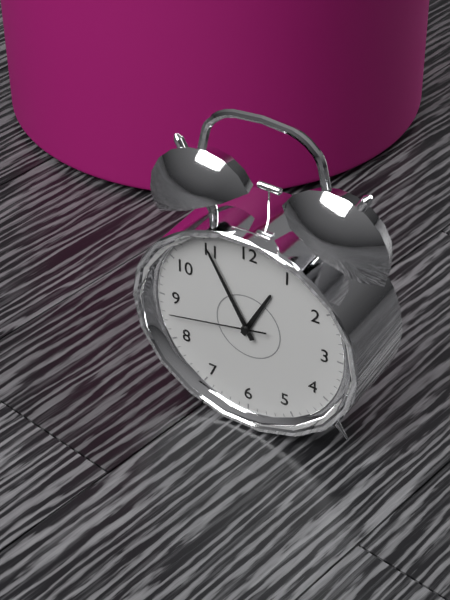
12:55:43
